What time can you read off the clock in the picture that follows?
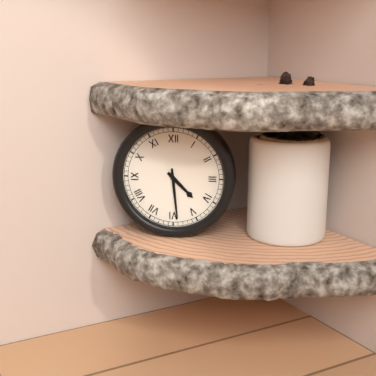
4:29
